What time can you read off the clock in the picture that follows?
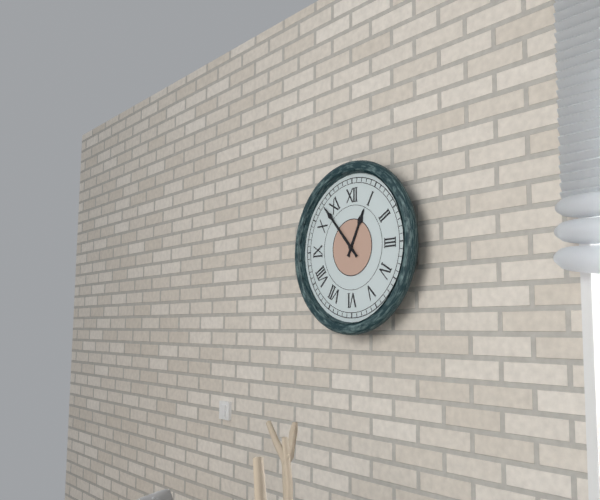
12:53
